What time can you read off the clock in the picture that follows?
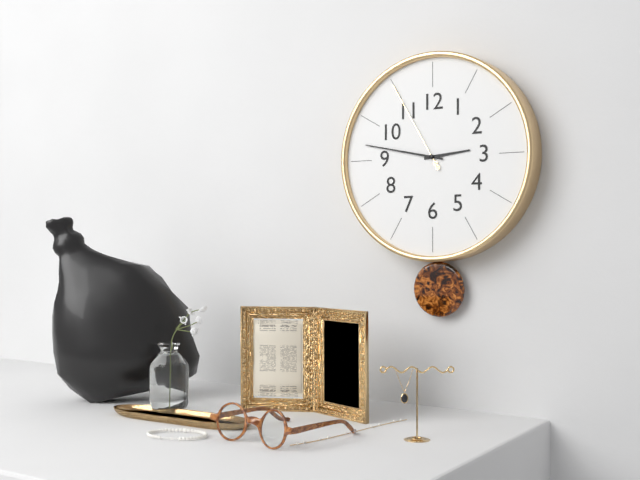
2:47:55
